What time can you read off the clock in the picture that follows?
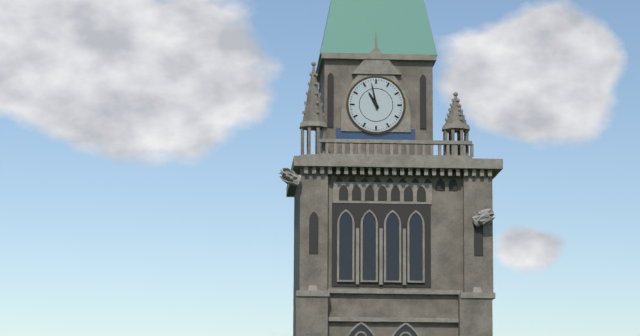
10:58
